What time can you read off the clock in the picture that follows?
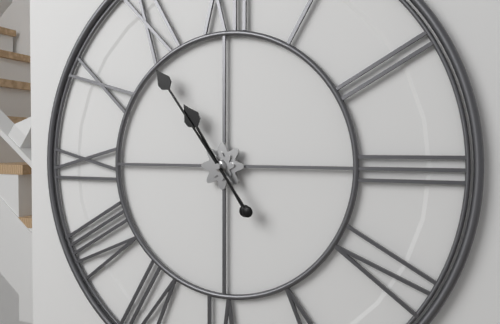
10:54
